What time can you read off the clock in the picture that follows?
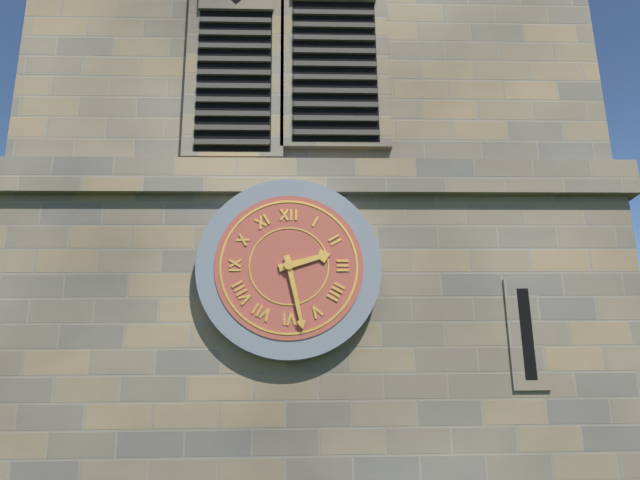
2:28
